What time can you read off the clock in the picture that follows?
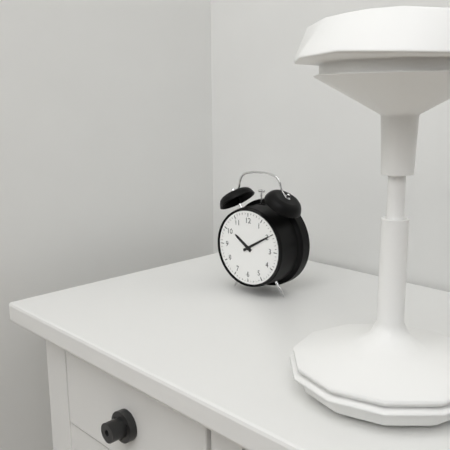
10:10
